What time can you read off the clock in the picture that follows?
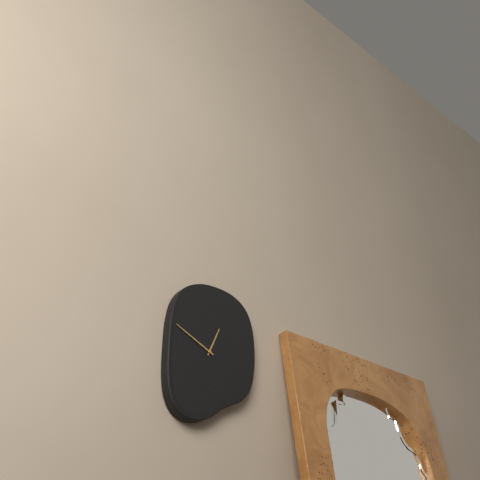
12:49
